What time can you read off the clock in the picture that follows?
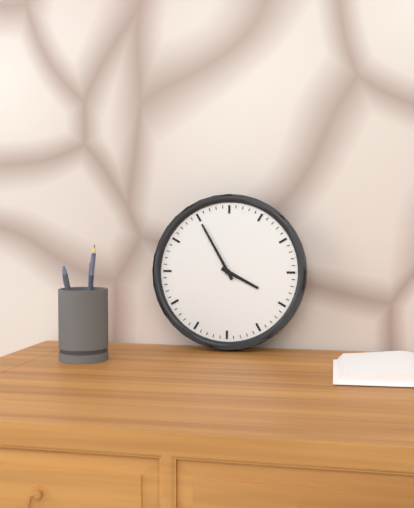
3:55
